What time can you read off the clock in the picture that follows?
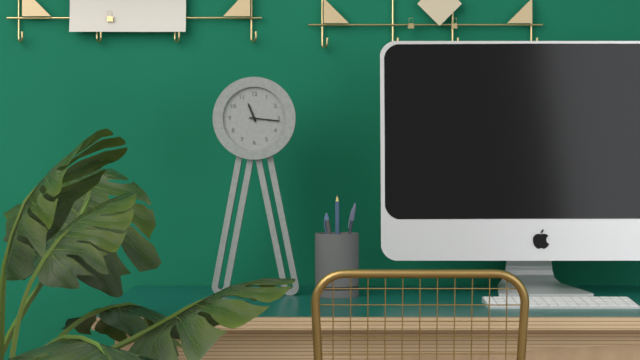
11:16
